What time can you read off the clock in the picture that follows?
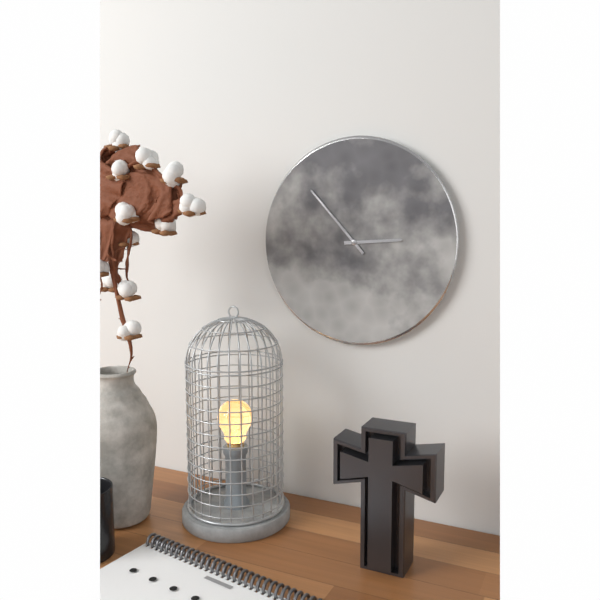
2:53
